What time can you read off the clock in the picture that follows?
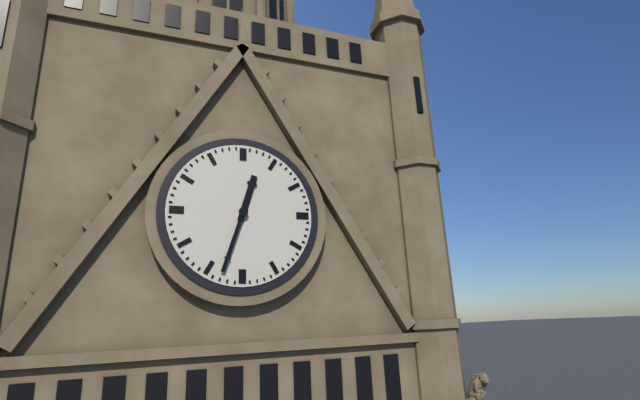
12:33
